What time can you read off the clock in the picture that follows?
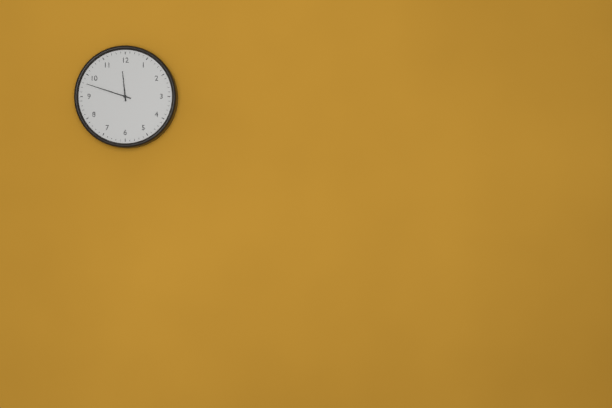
11:48
